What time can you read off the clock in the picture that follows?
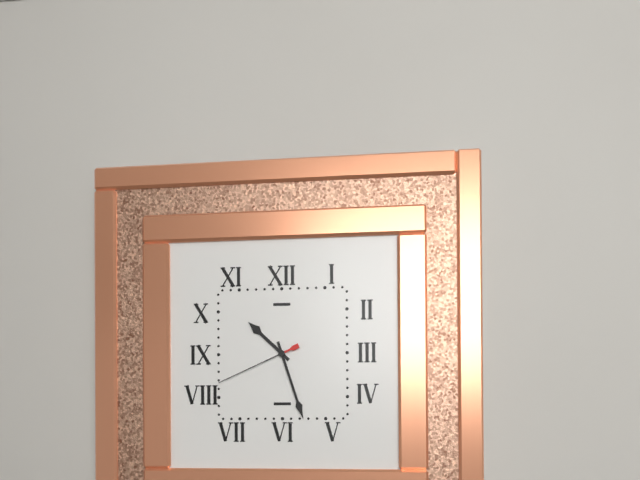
10:27:41
